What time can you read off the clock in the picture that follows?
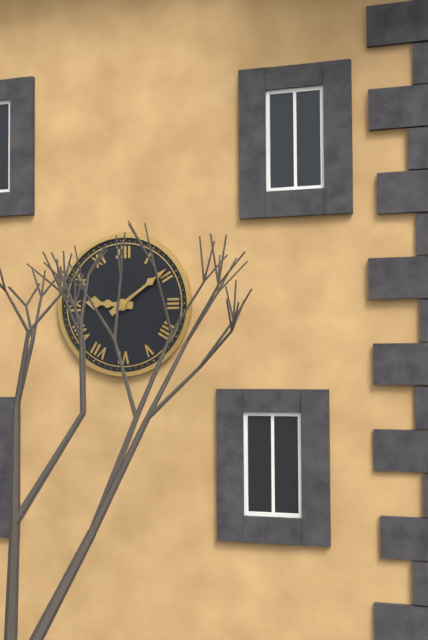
9:09
